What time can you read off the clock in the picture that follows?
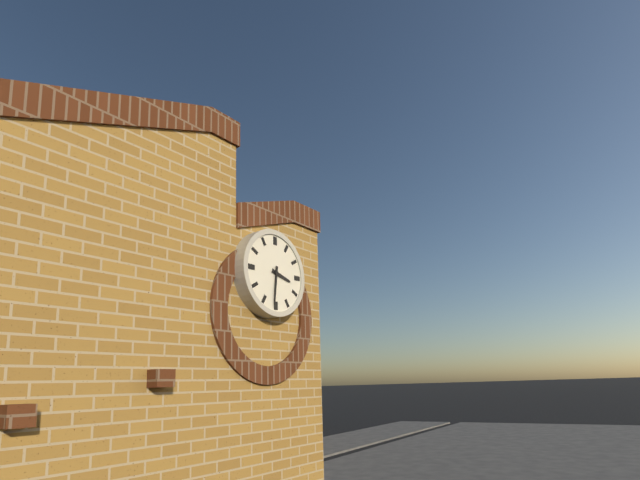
3:31
